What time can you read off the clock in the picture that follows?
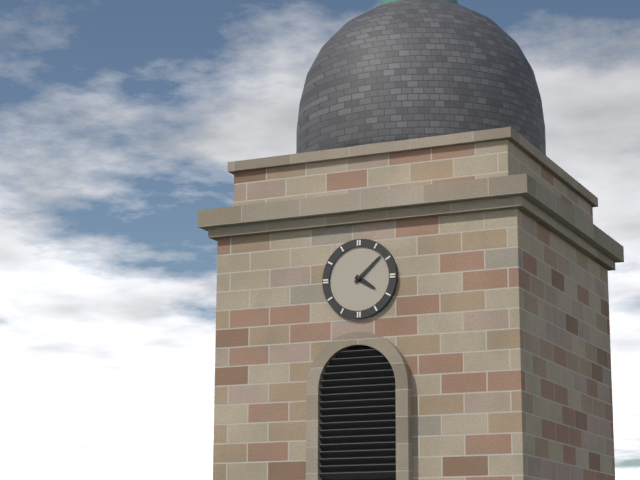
4:08
